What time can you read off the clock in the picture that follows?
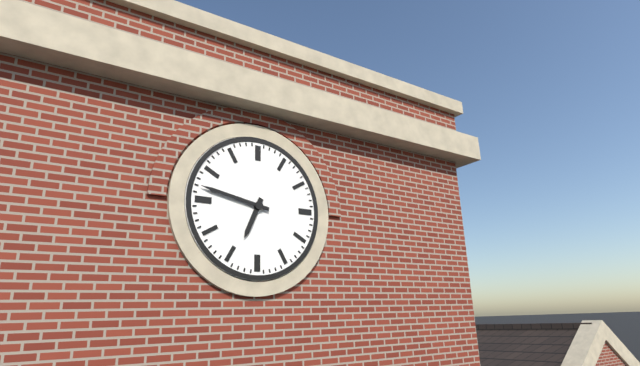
6:47
